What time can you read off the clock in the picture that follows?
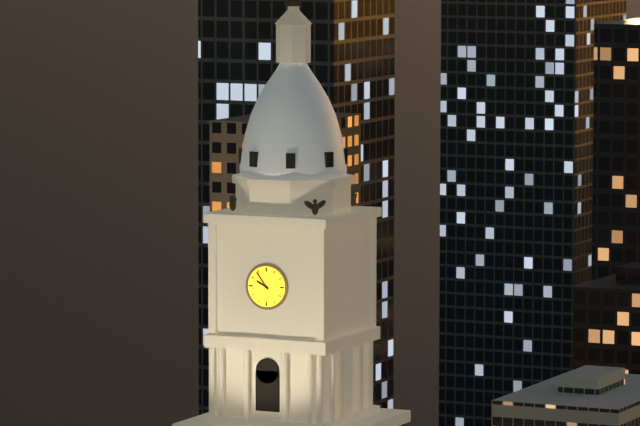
9:54
